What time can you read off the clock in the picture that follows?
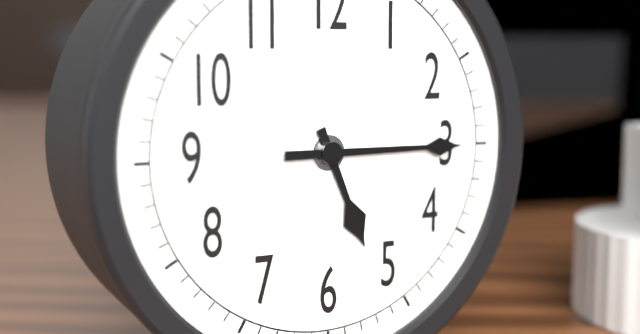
5:15
